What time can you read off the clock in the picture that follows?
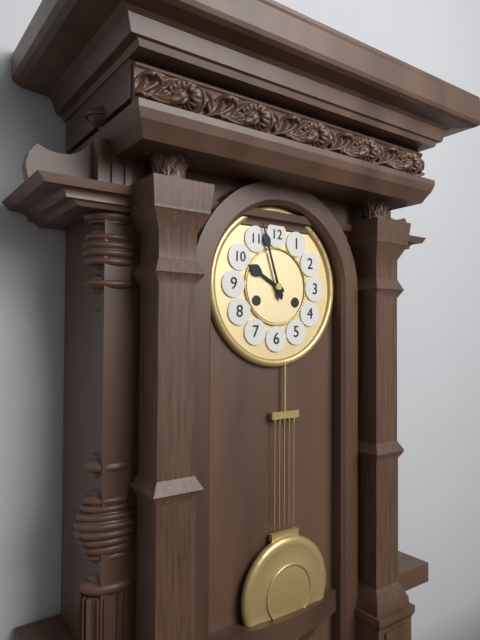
9:57
